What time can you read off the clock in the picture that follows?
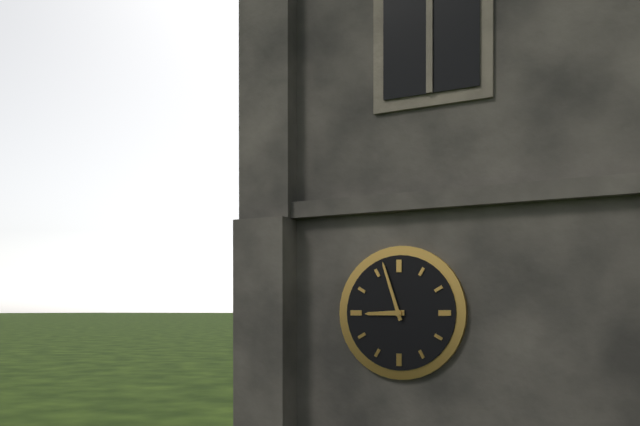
8:57
